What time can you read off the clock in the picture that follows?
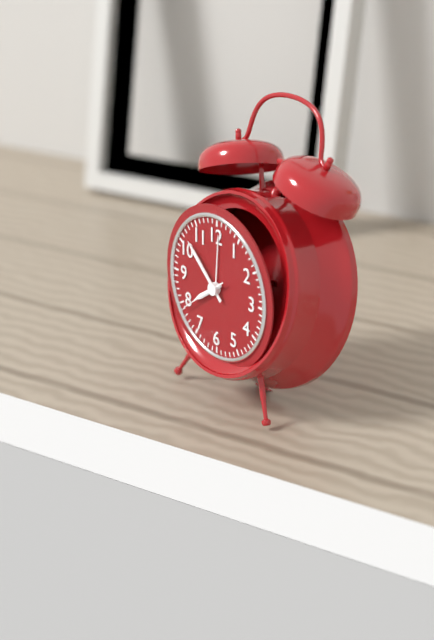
7:52
